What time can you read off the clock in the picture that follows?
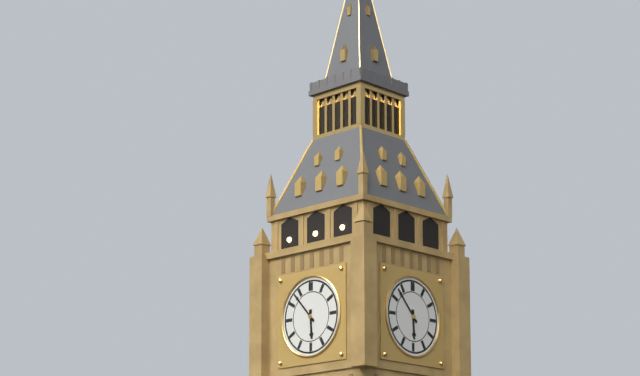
5:53
